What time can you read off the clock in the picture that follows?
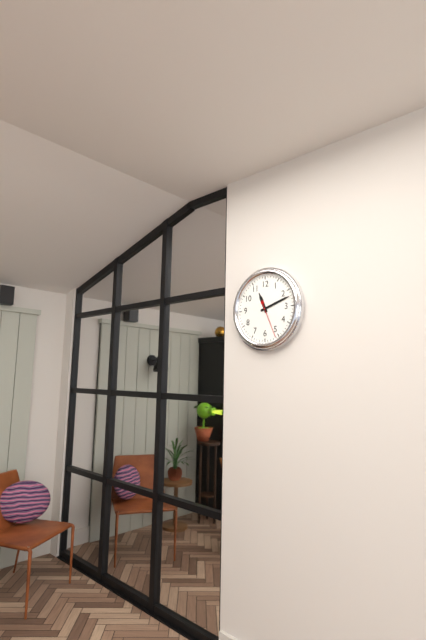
11:12
